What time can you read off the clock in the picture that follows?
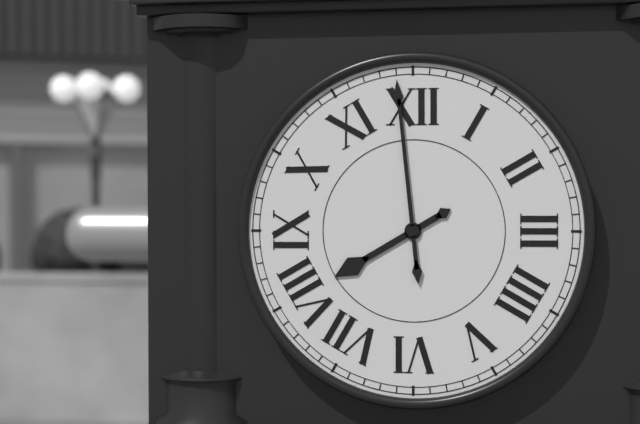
7:59
